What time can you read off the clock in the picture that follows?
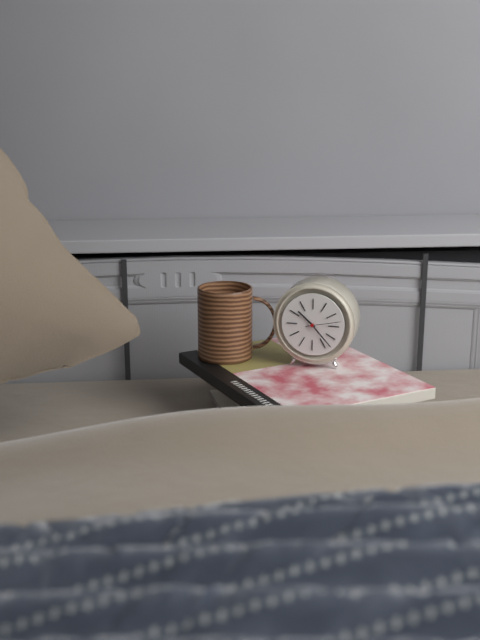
10:23
